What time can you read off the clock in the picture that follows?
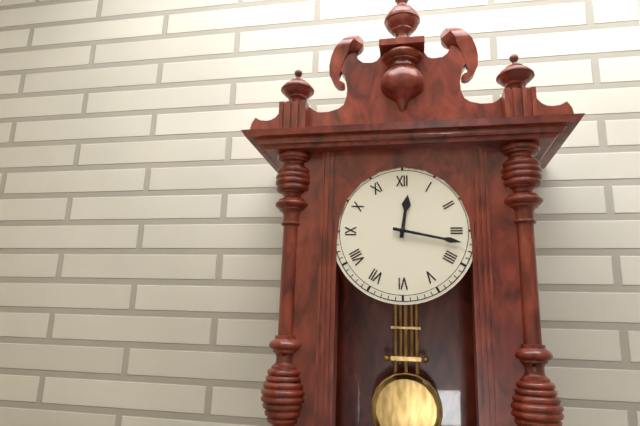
12:17
